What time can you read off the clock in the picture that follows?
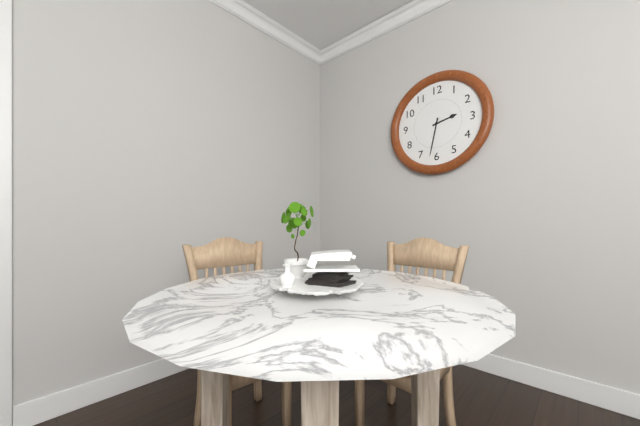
2:32
